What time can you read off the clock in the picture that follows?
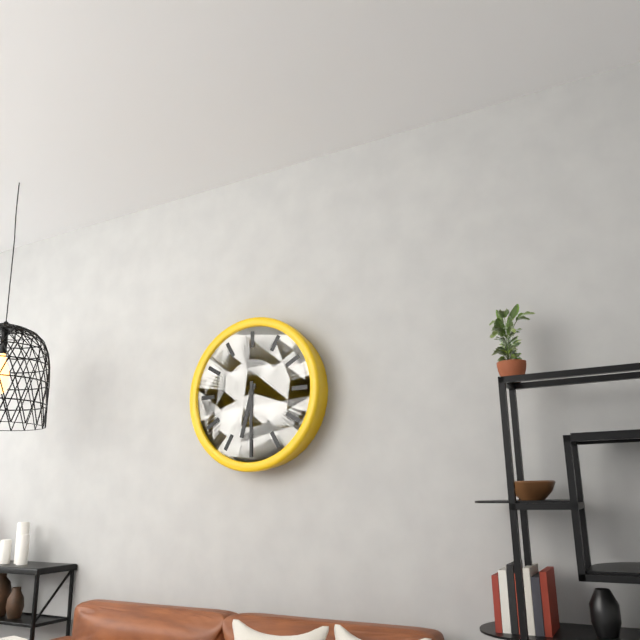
6:30
